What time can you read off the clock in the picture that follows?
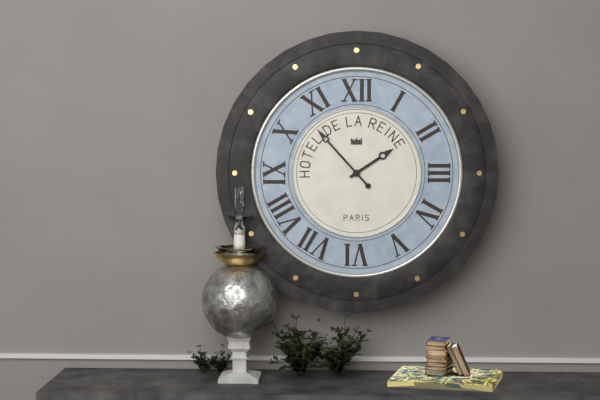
1:53
